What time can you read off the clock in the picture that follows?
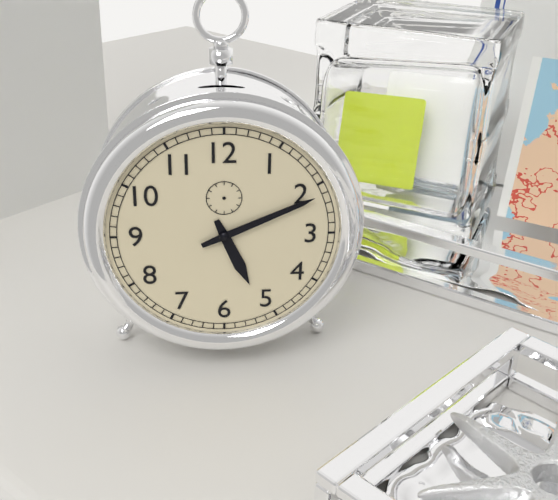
5:11
